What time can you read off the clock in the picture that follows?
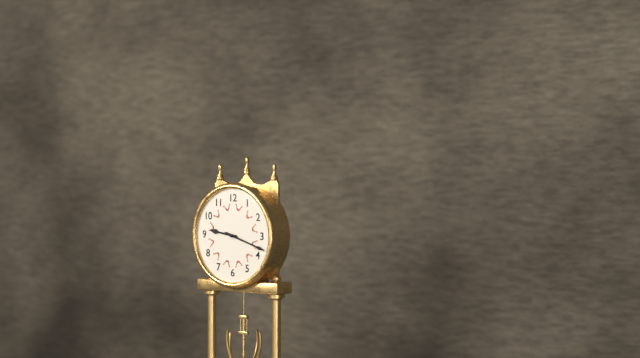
9:18
